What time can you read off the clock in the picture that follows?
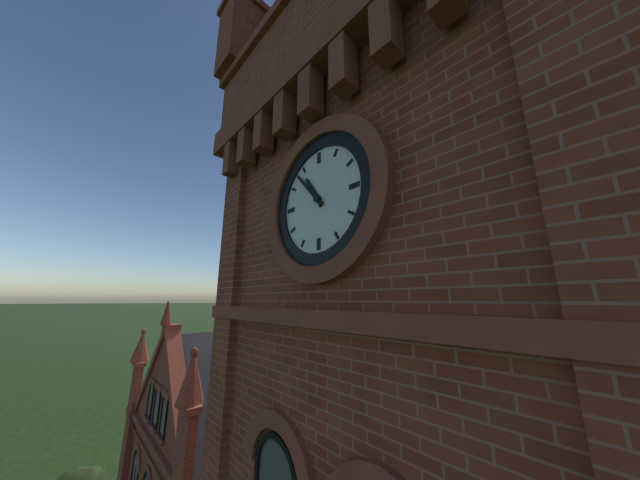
10:53
